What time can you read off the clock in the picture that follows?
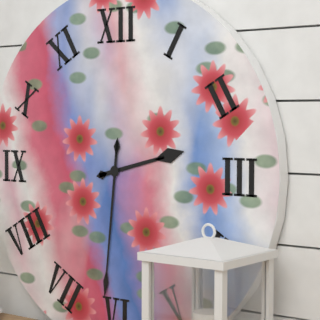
2:31
